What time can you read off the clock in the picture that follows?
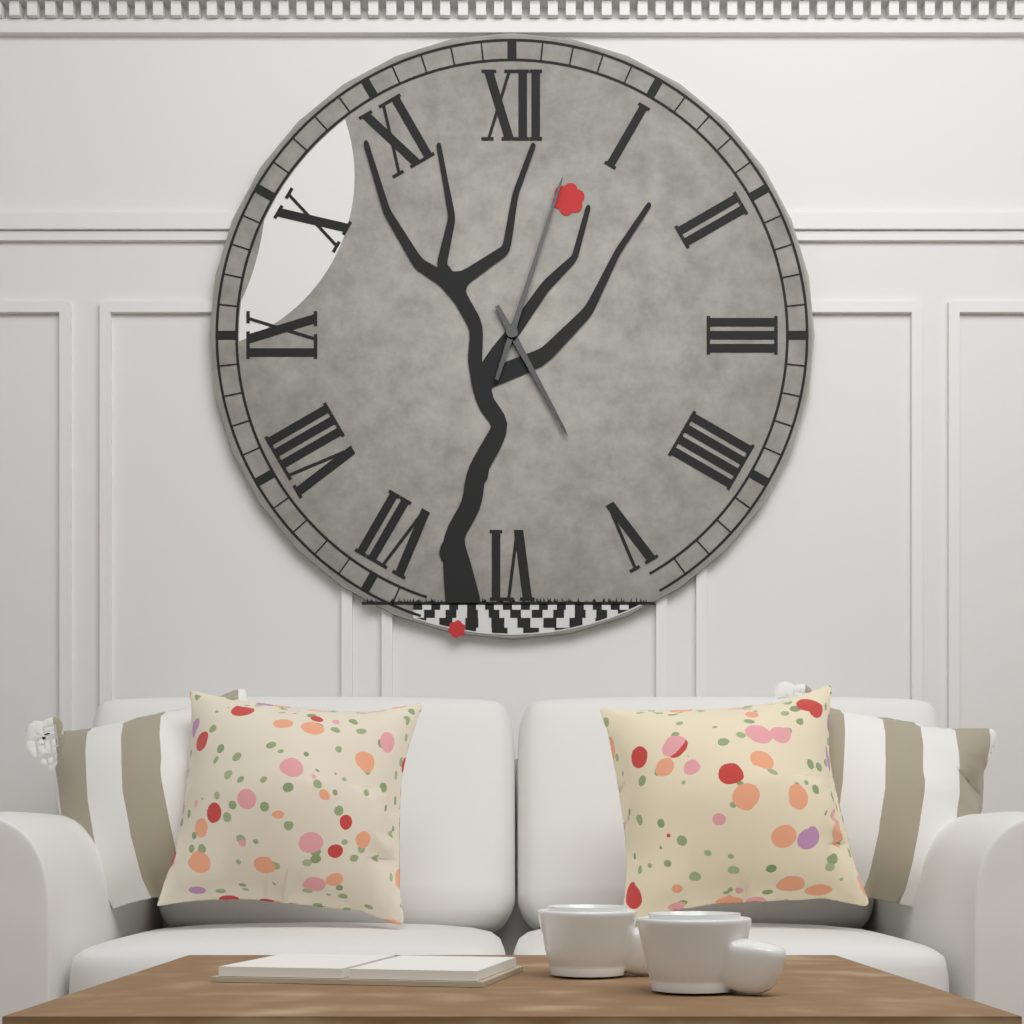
5:03
